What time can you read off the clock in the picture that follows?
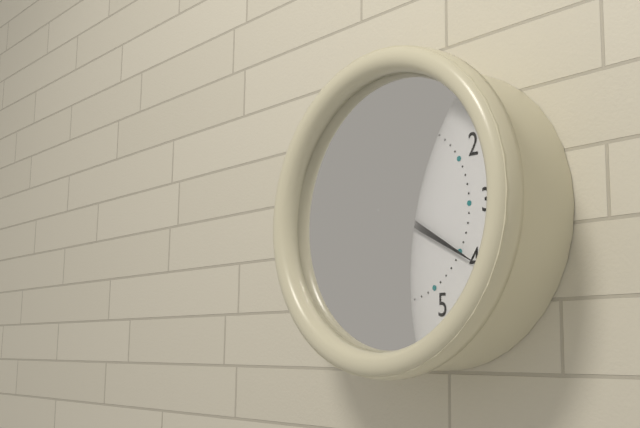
8:20
